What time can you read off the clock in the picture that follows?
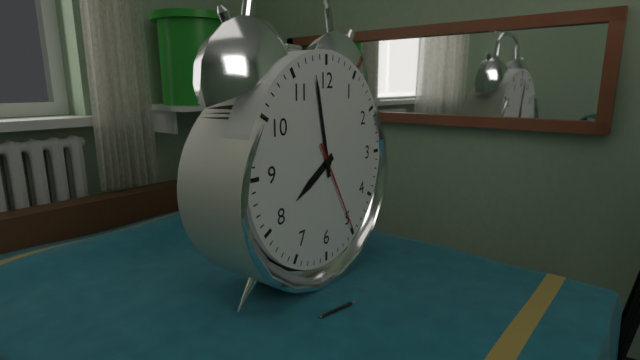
7:58:25
